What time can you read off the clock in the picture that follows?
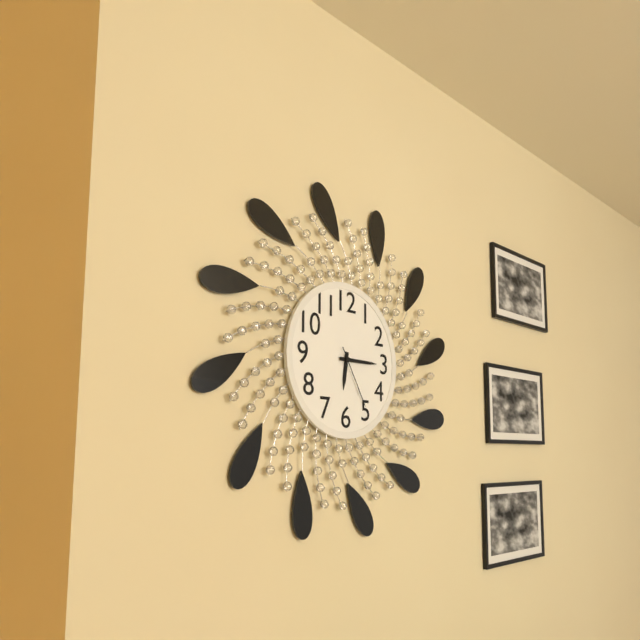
6:15:25
